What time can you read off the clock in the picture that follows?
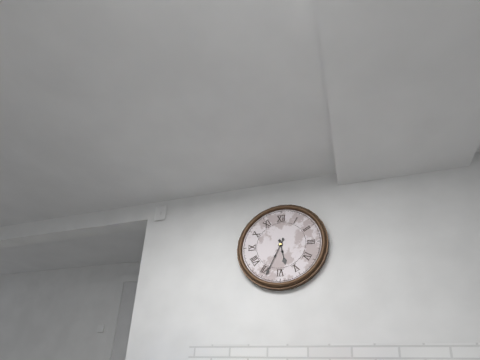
5:34
